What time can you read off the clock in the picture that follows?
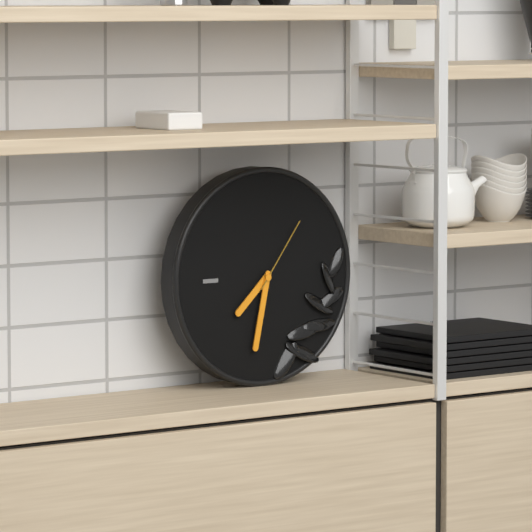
7:32:06
